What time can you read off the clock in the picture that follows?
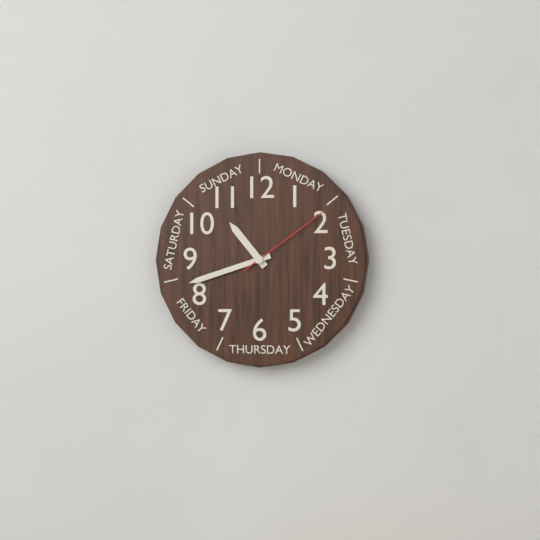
10:42:09
